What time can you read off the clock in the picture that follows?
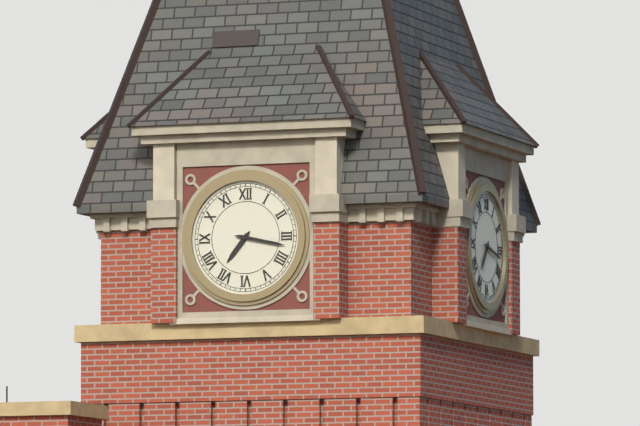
7:17
